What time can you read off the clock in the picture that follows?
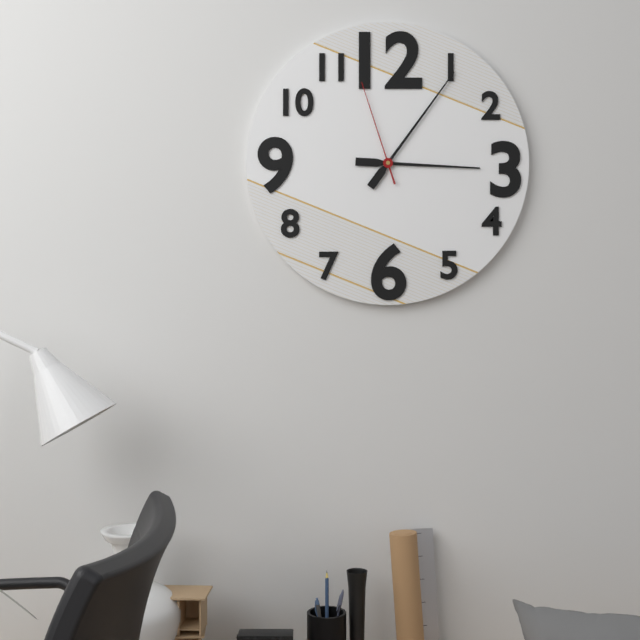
3:06:57
